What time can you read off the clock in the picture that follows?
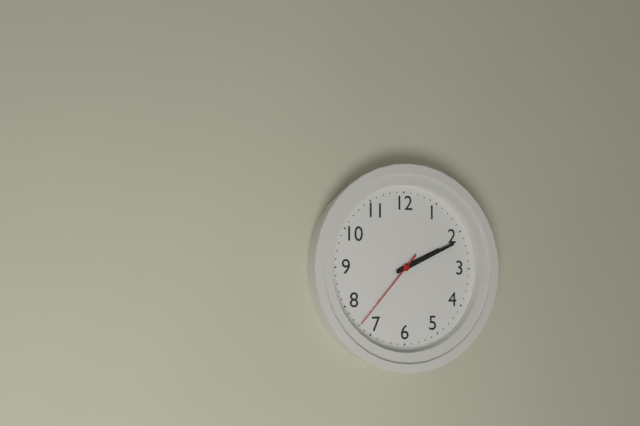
2:11:37
